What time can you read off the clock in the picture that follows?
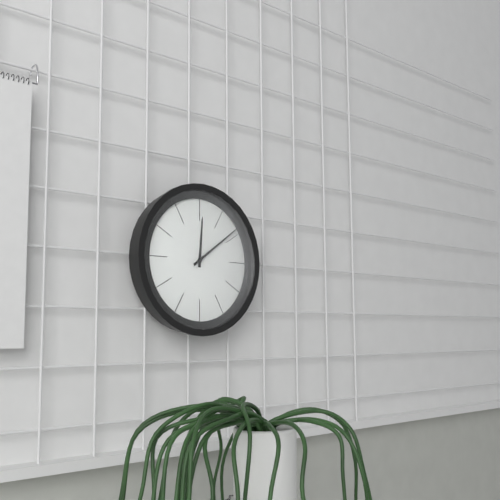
12:09
